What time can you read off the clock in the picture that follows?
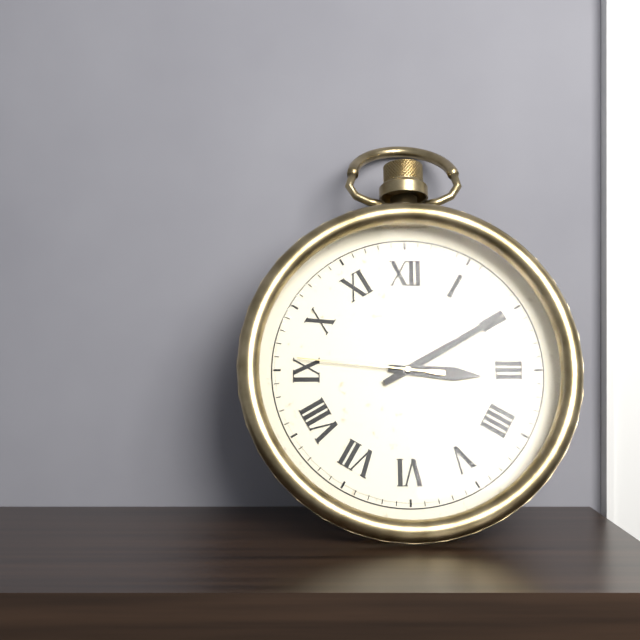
3:10:46
